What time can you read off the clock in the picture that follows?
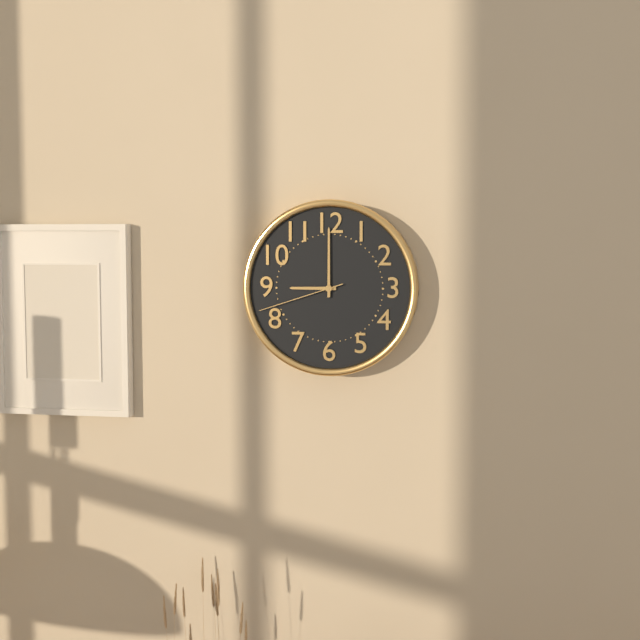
9:00:42
